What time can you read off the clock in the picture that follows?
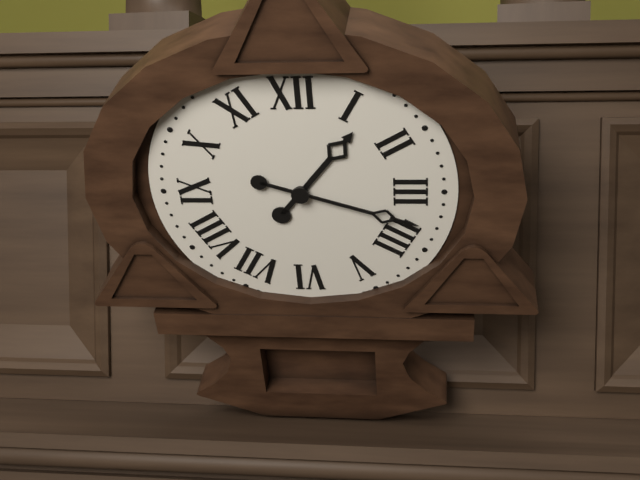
1:18
